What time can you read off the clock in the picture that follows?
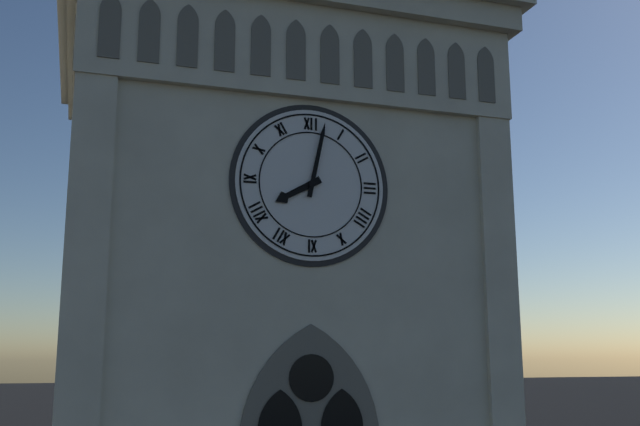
8:02
